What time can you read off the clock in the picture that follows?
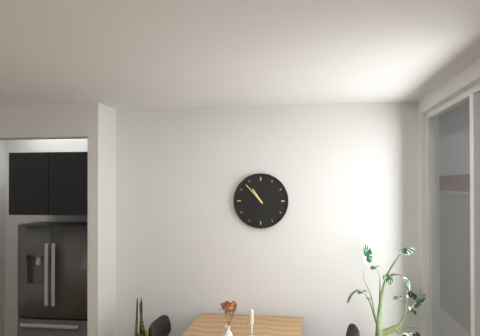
10:53
